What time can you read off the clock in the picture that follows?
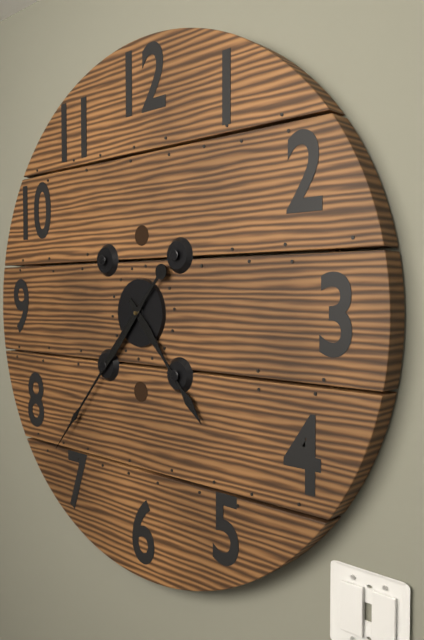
4:37
